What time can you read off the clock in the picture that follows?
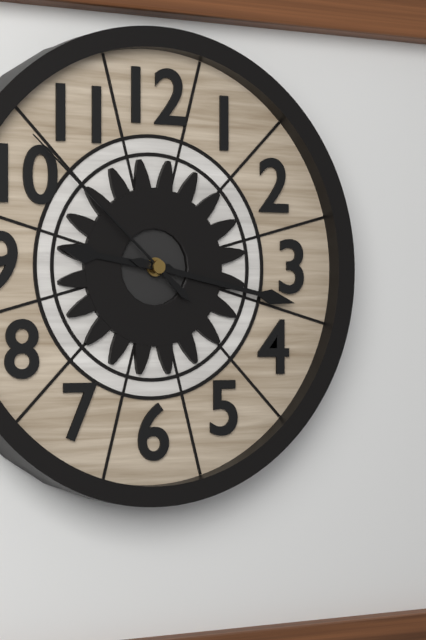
9:17:52
